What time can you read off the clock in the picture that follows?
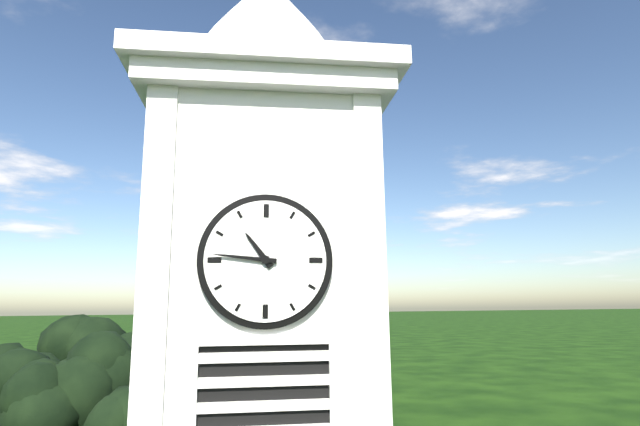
10:46
